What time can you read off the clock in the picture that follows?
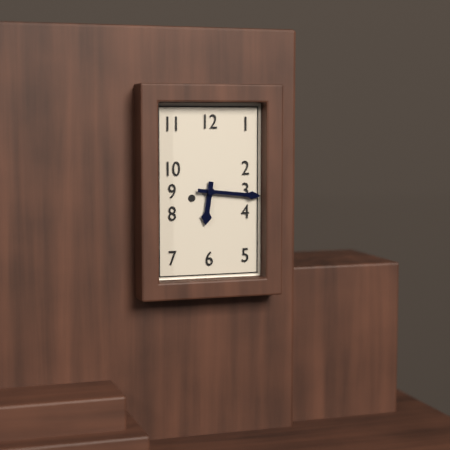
6:16
